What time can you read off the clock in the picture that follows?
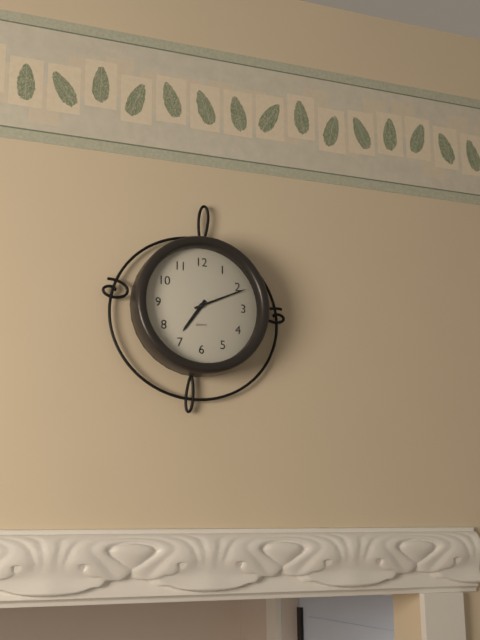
7:11
